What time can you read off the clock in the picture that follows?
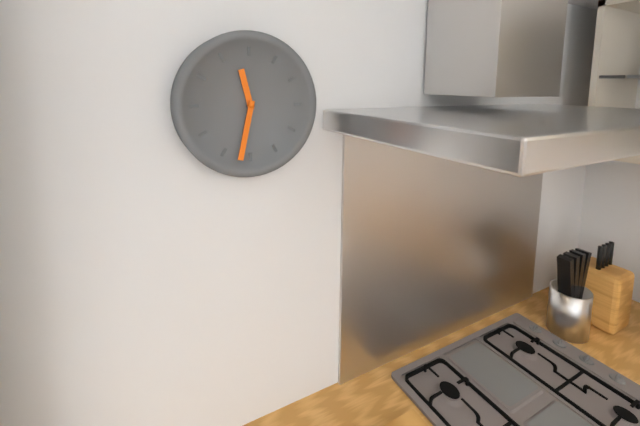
11:32
